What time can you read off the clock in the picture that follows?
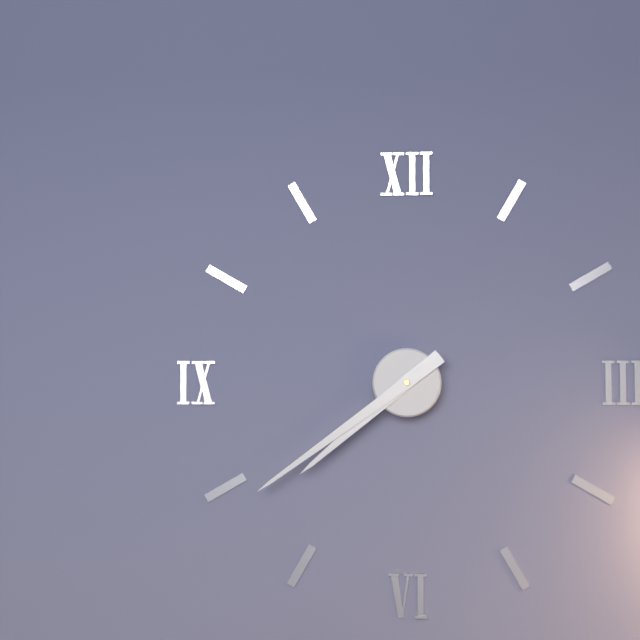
7:39
